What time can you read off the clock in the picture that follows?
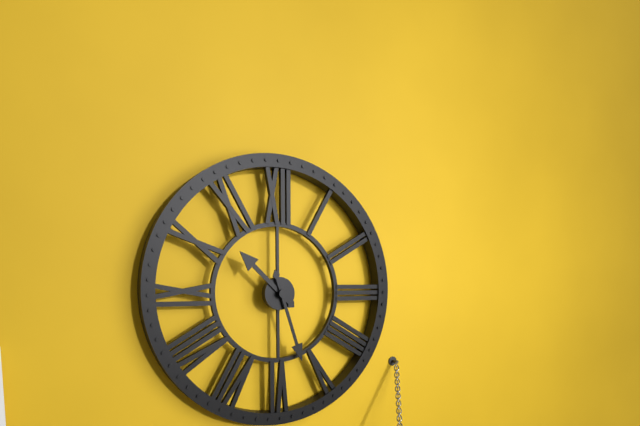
10:27
